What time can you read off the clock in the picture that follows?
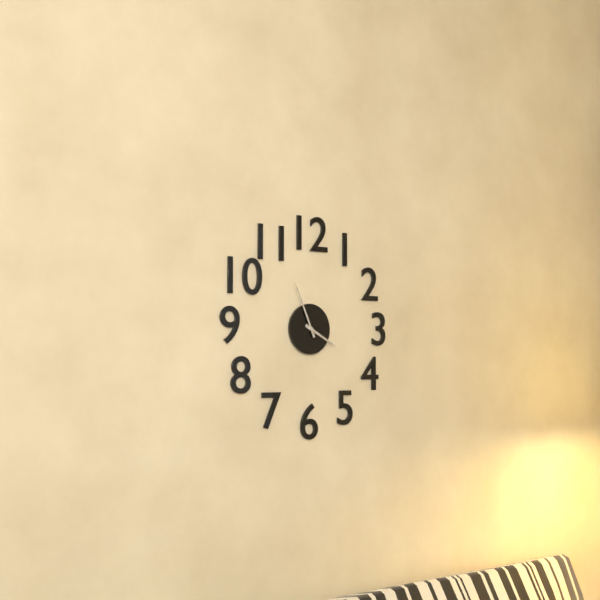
3:56
